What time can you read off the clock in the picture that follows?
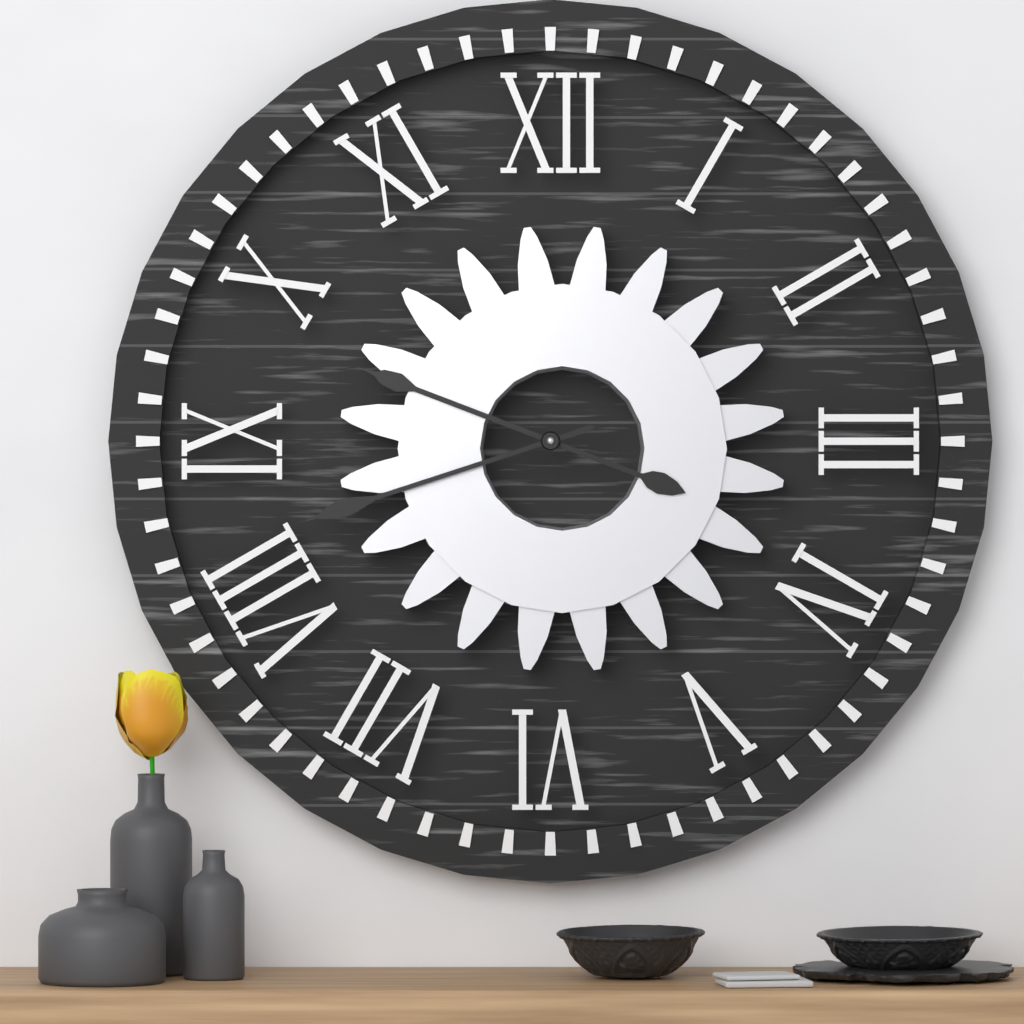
9:42
